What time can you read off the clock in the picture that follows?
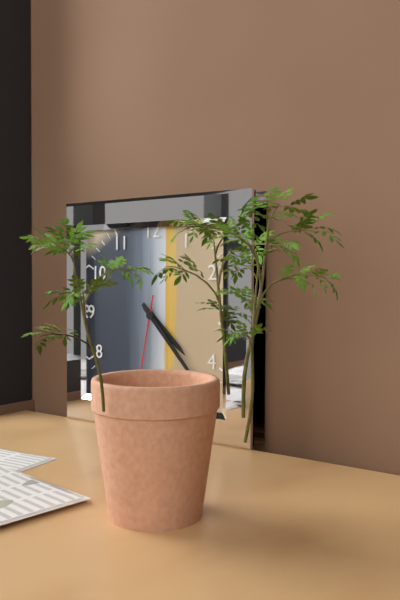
4:23
